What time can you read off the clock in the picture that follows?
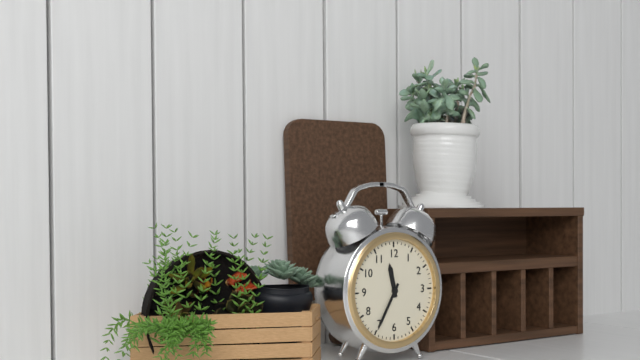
11:35
